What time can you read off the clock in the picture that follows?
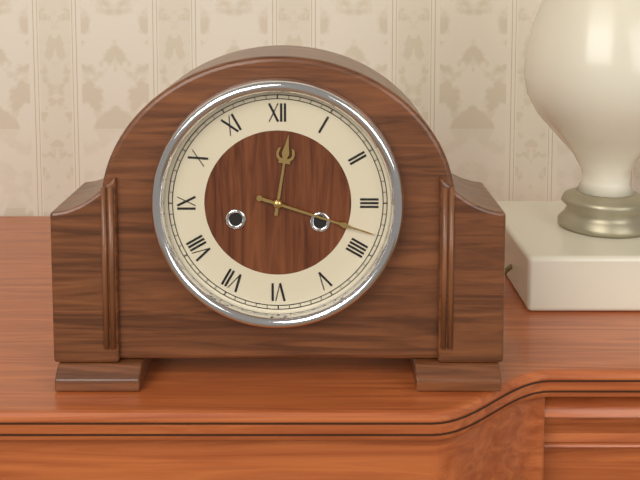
12:18
